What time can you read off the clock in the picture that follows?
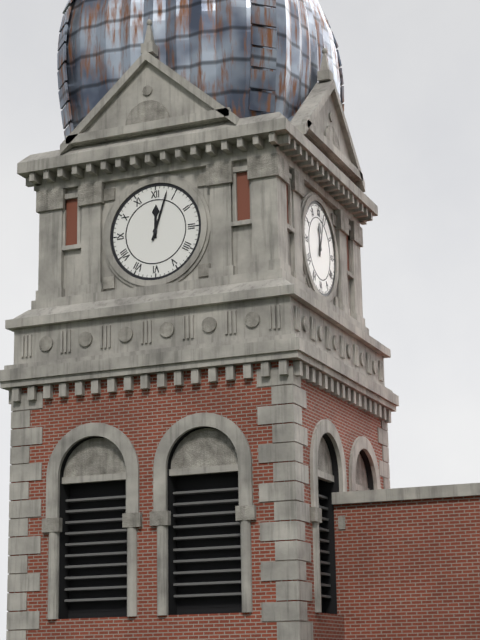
12:03
